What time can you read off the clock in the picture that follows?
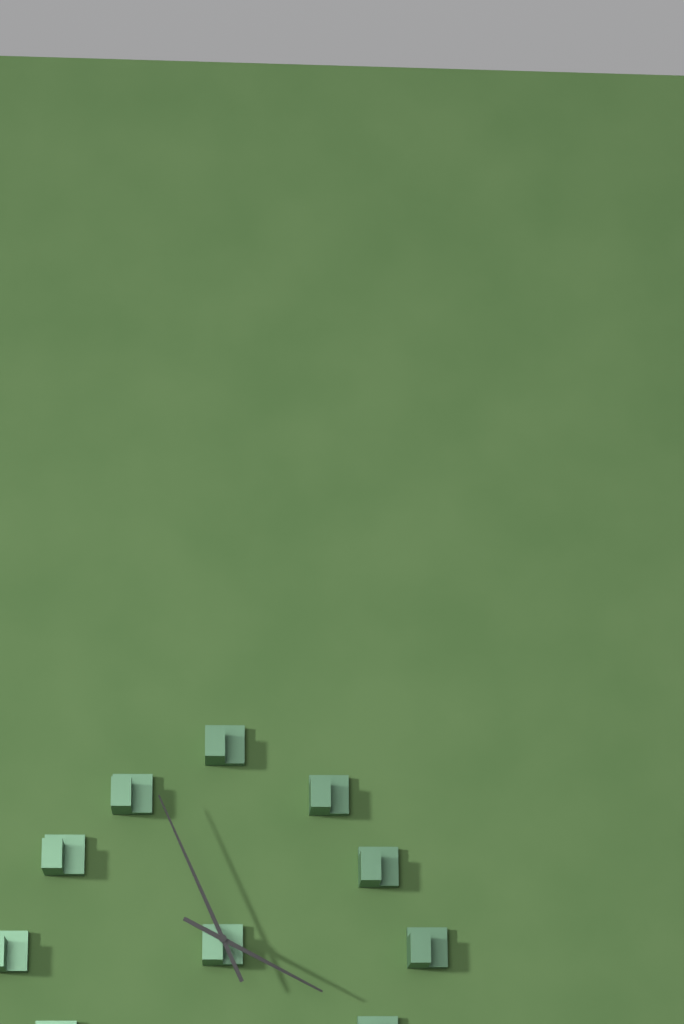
3:56
